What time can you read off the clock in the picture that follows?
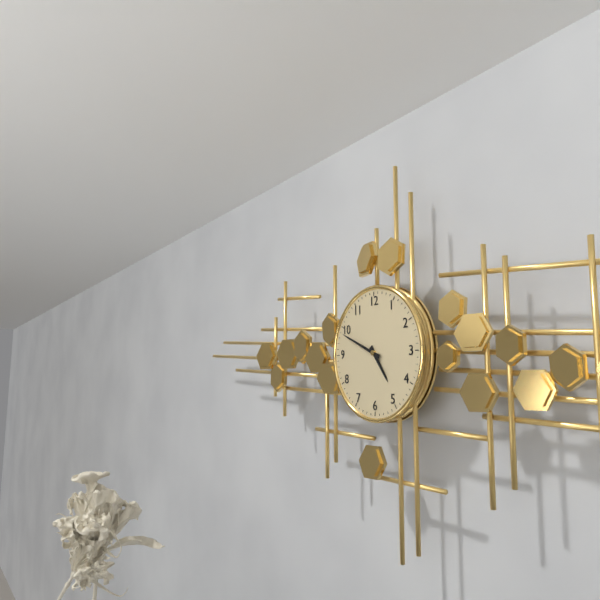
4:49
